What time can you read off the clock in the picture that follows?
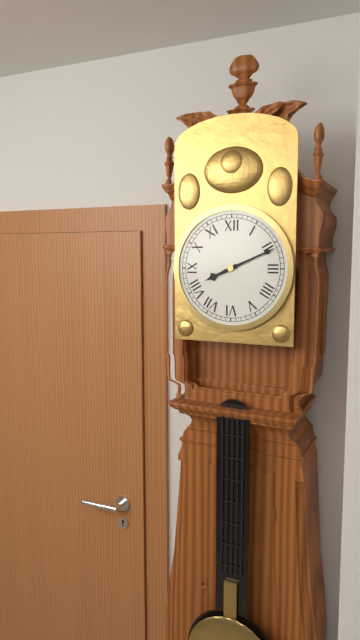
8:11
